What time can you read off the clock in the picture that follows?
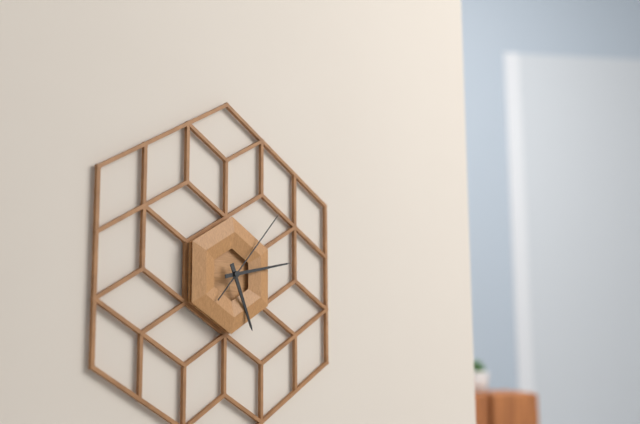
5:13:07
